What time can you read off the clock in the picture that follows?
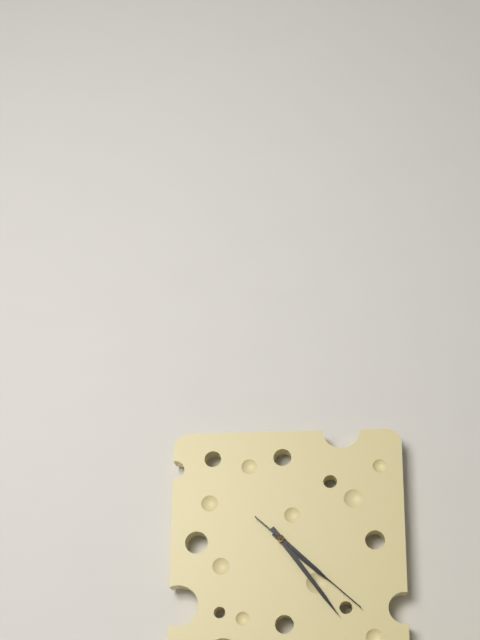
4:24:22
